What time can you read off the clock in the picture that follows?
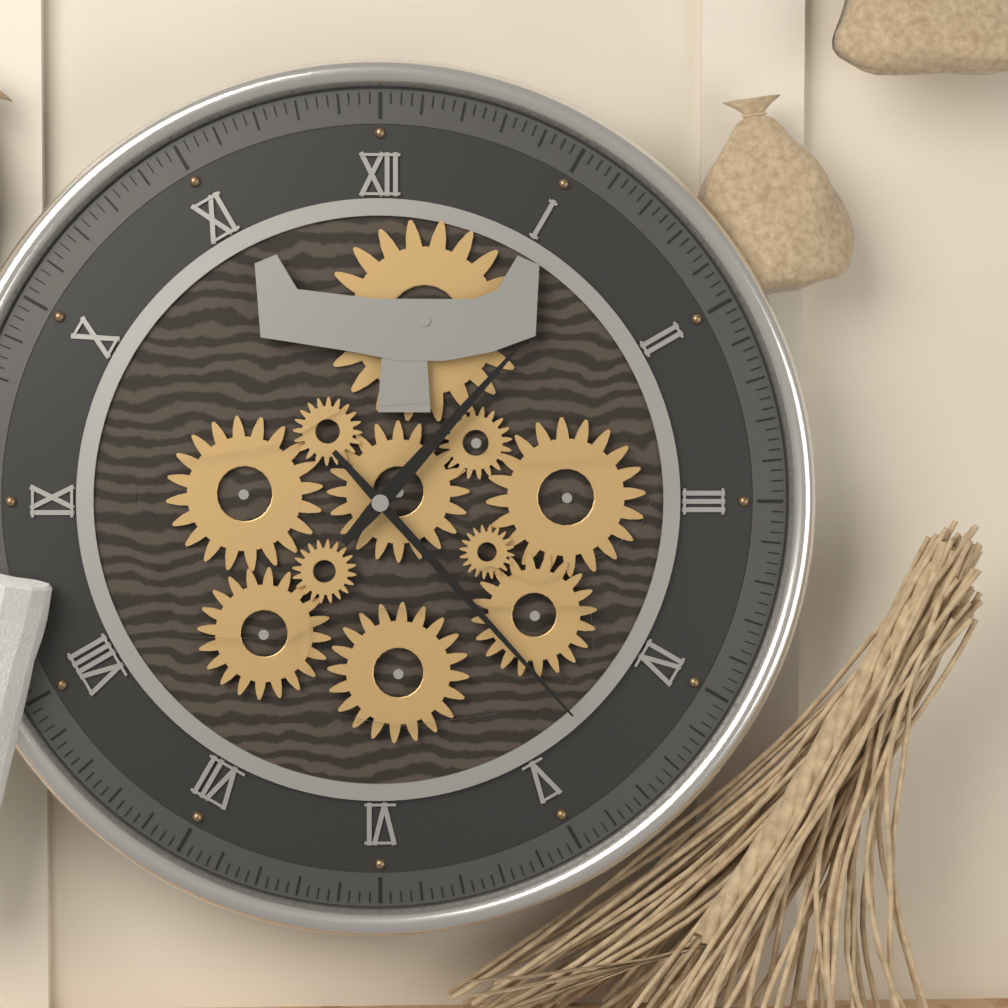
1:23
